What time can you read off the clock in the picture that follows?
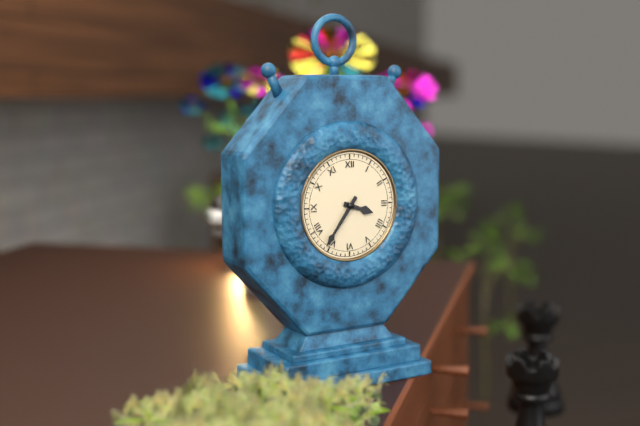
3:36
